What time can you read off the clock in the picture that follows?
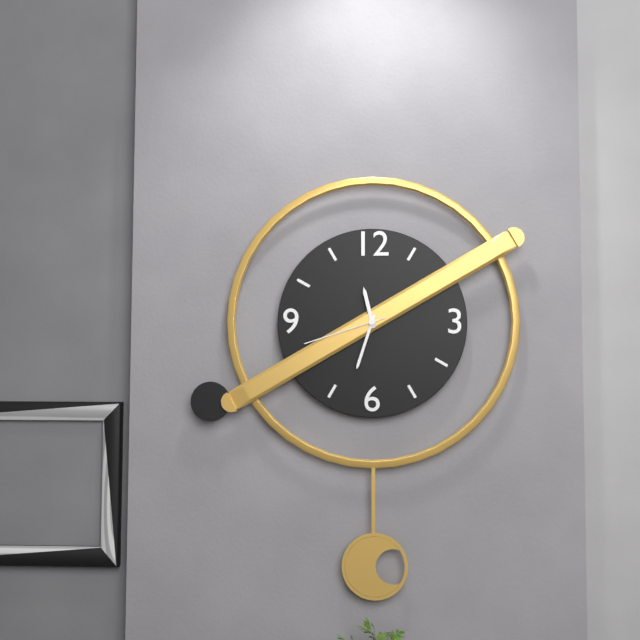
11:33:42
